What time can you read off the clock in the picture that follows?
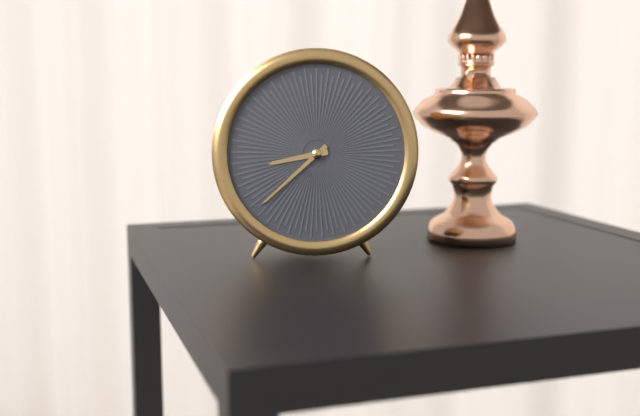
8:38
